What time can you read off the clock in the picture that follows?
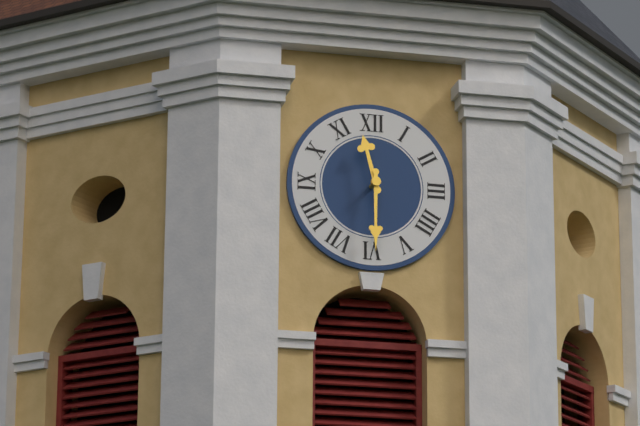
11:30
